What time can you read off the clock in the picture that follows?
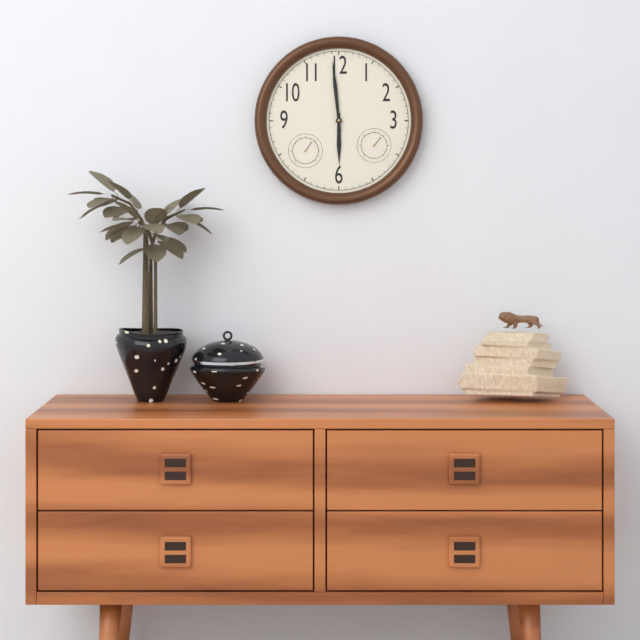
5:59
